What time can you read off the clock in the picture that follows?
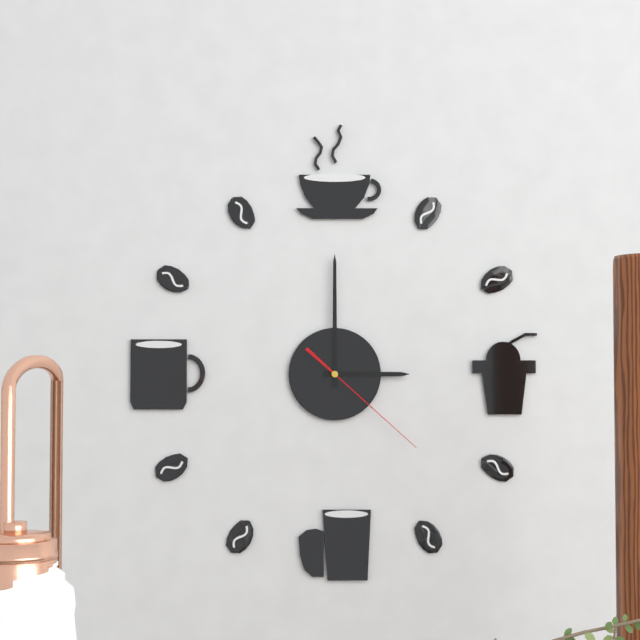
3:00:22
